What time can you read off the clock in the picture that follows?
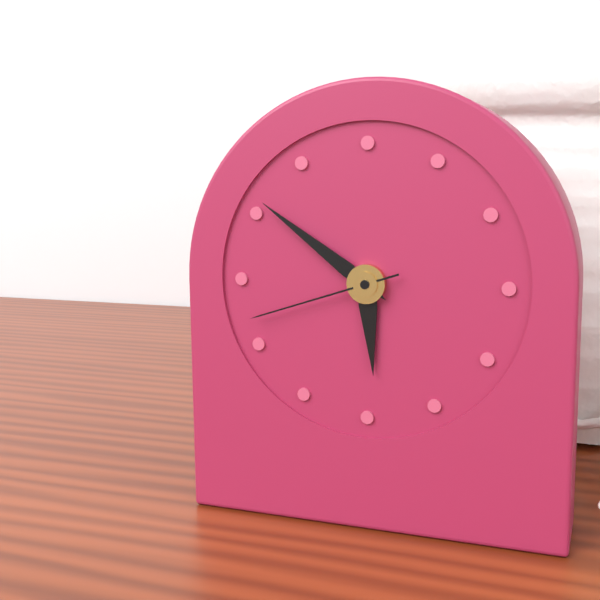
5:51:42
